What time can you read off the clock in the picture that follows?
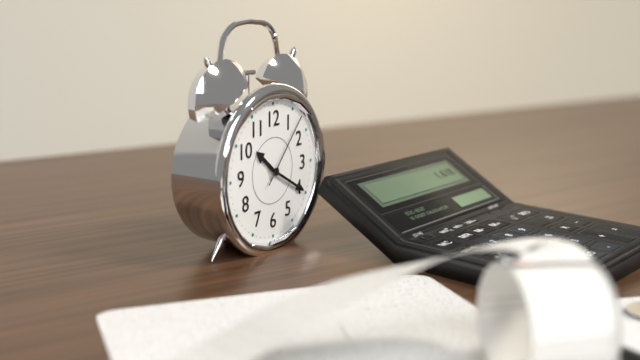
10:20:07
